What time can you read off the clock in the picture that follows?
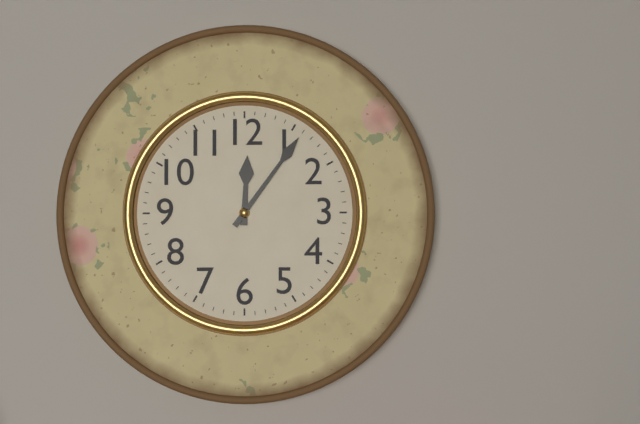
12:06
